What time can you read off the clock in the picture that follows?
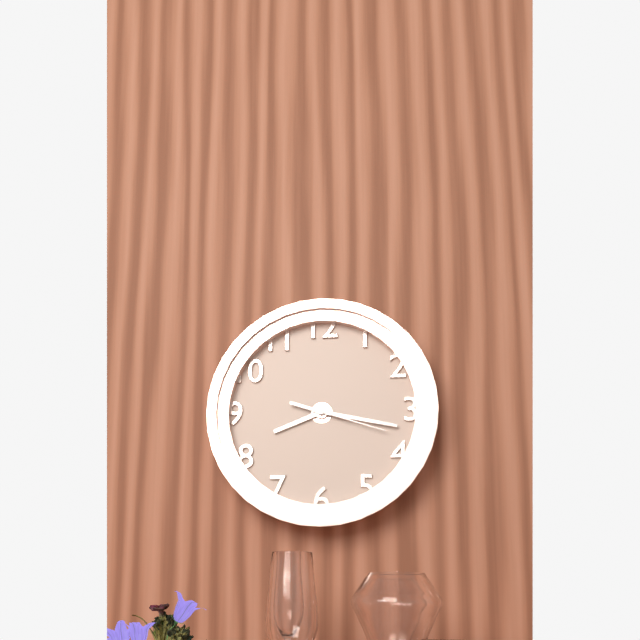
8:17:18
